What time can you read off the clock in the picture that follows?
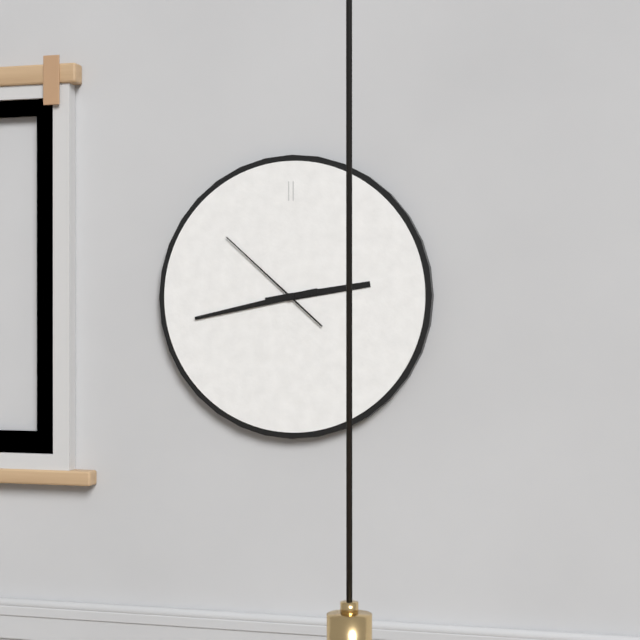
2:43:52
